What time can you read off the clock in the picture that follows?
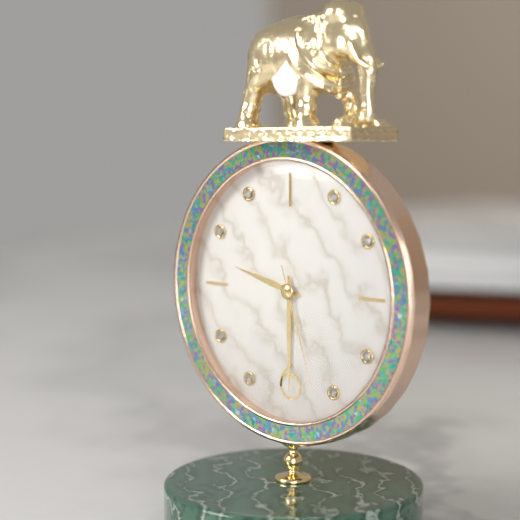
9:30:27
